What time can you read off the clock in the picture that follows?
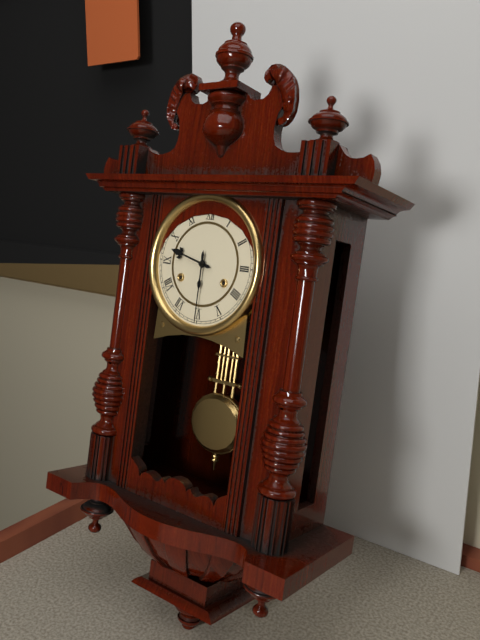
9:30
